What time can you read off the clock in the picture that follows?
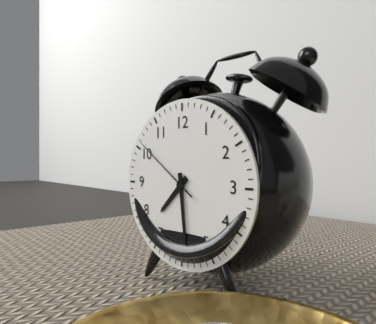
7:29:51
